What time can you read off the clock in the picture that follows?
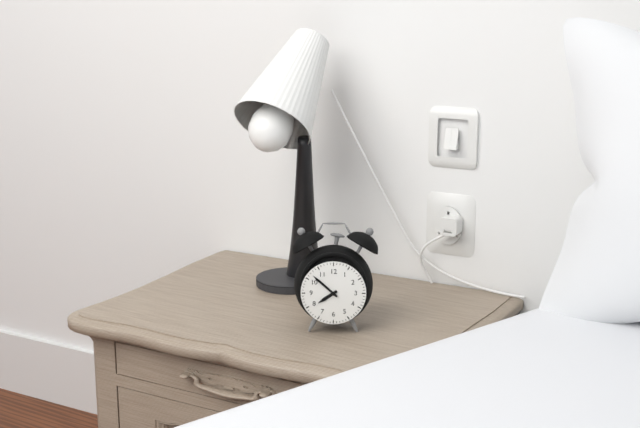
7:52
